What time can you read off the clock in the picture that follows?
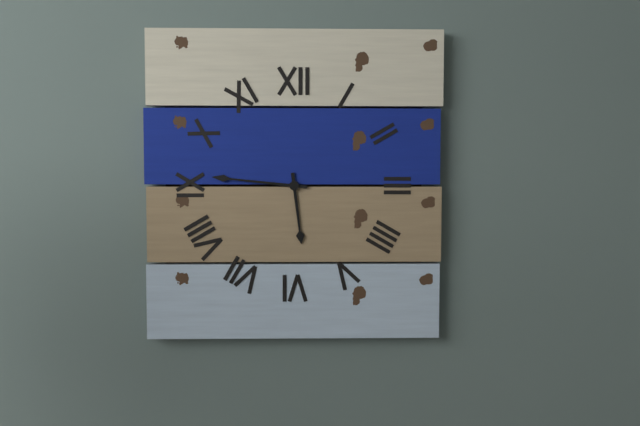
5:46
